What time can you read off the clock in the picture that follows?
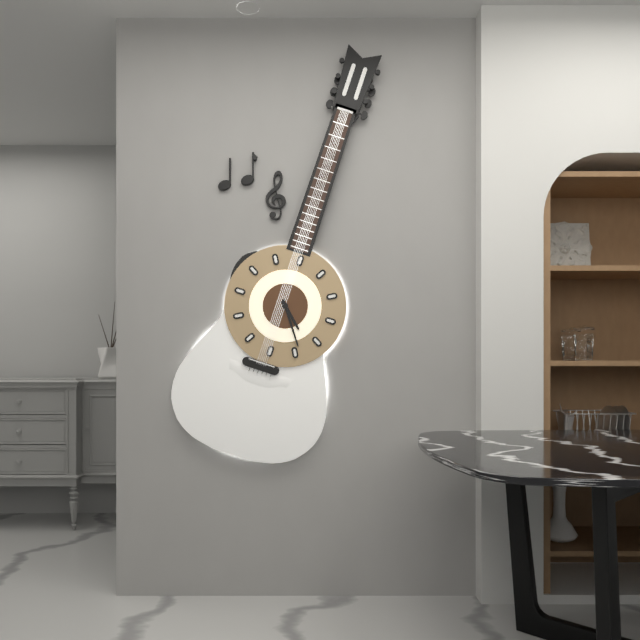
4:24
